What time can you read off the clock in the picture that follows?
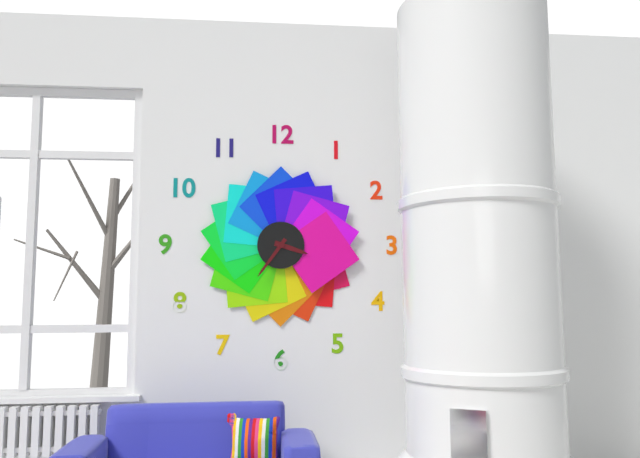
3:36
